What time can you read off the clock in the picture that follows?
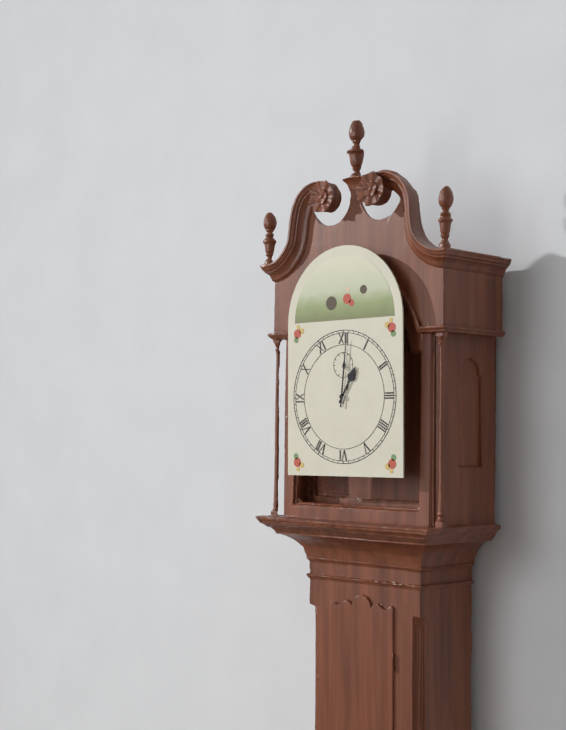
1:01
